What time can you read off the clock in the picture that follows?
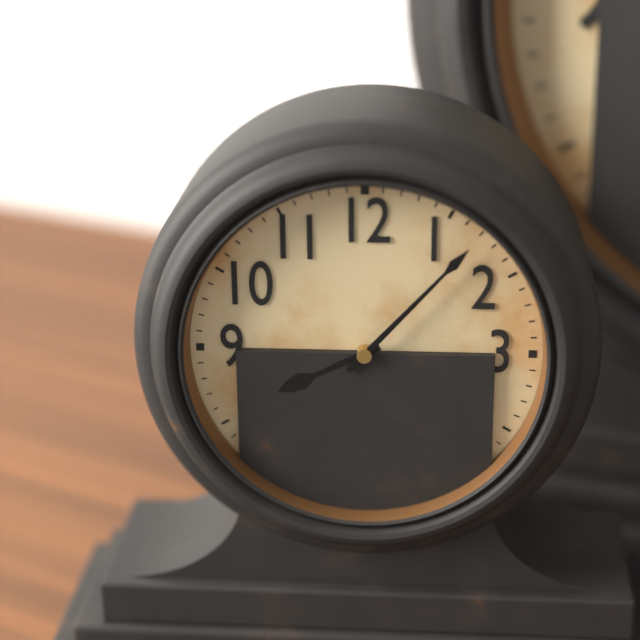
8:07
